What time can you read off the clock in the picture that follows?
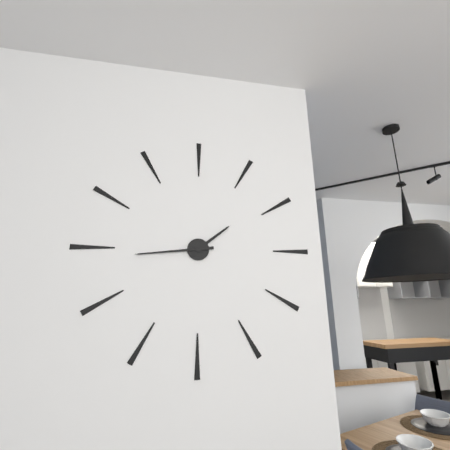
1:44
